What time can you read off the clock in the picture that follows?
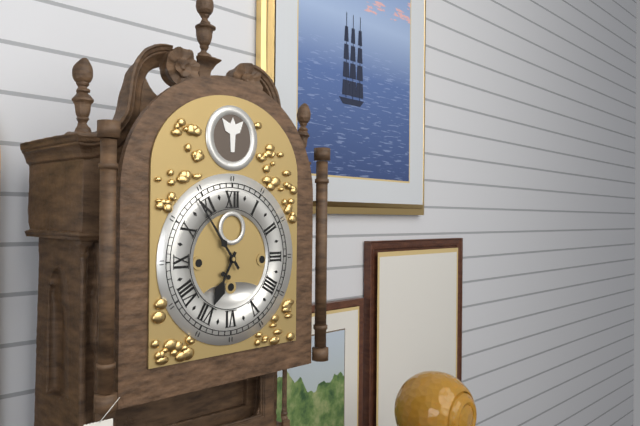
6:54
